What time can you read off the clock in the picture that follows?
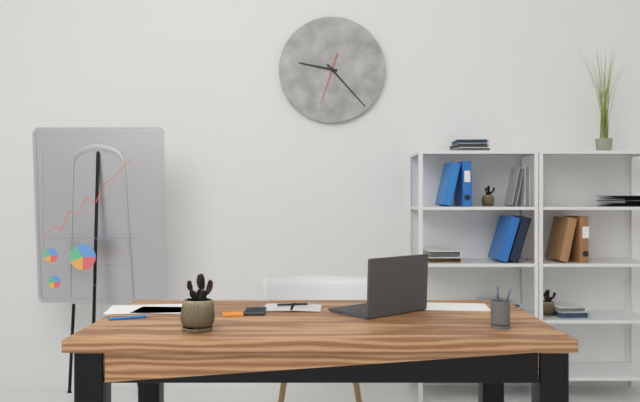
9:23
